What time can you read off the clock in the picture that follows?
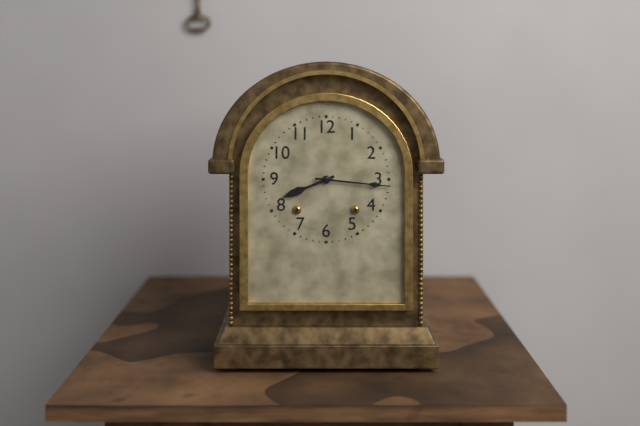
8:16
